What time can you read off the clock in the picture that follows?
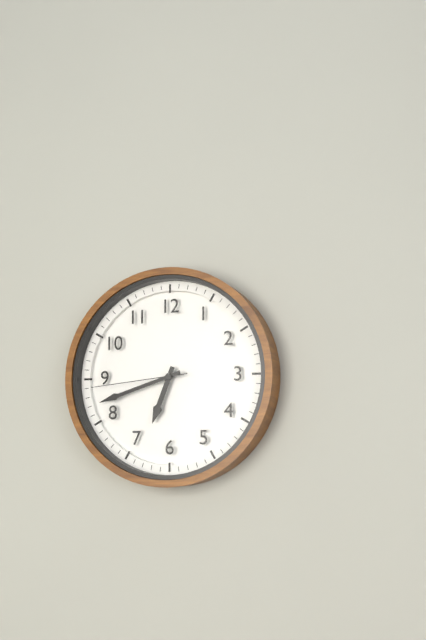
6:42:44
